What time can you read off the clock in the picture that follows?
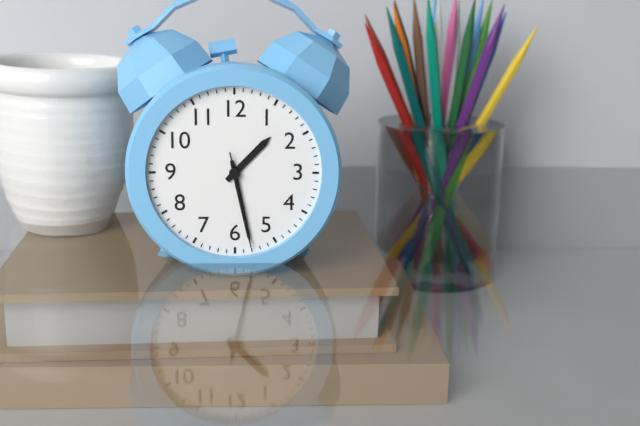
1:28:28
